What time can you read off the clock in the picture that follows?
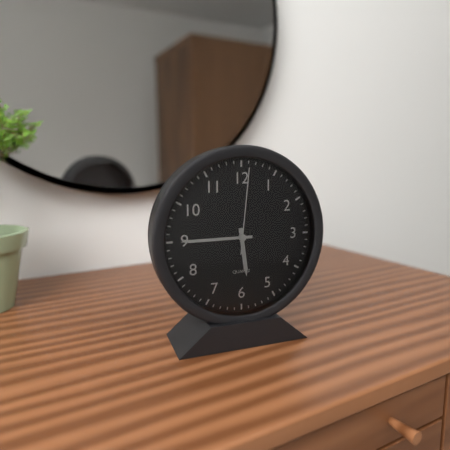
5:45:01
